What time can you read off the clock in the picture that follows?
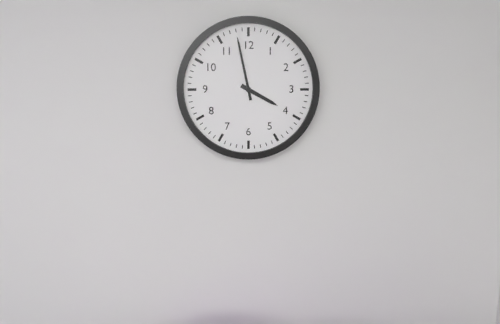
3:58
